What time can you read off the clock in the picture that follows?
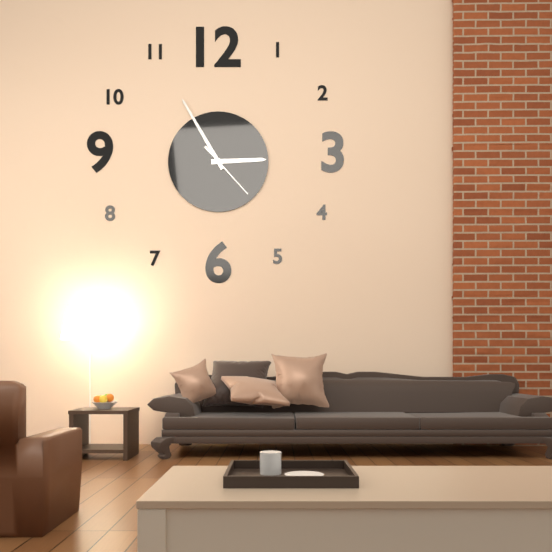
2:55:23
